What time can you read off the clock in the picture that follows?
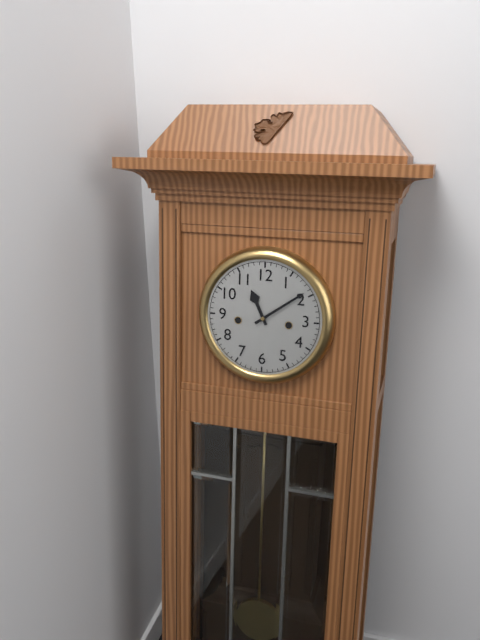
11:09
